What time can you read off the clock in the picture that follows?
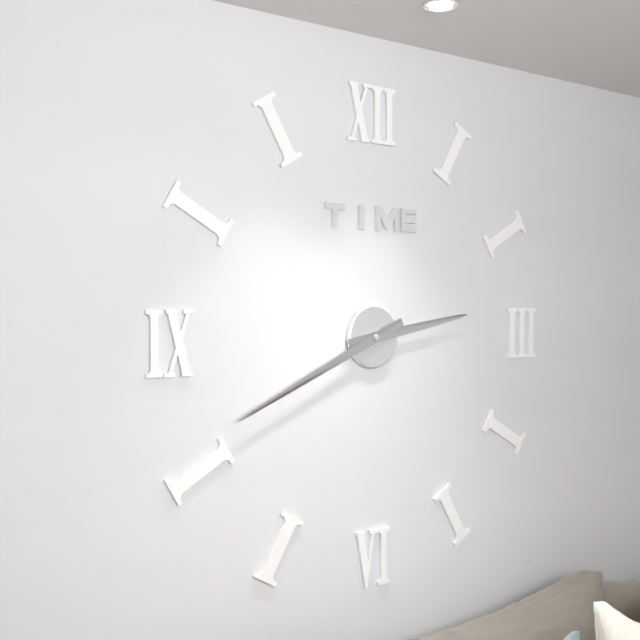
2:41
